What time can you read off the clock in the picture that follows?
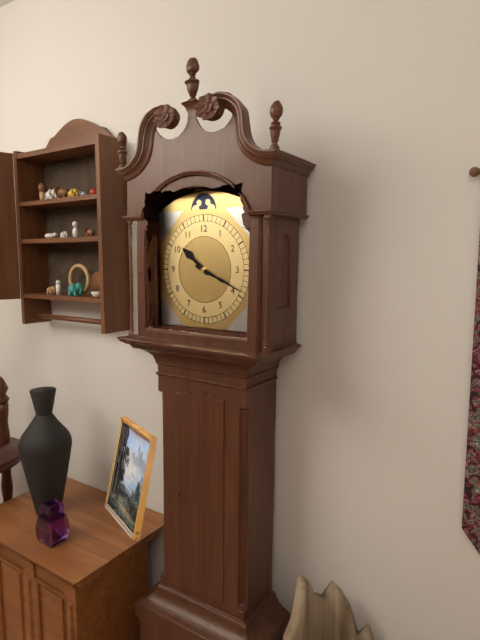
10:19
